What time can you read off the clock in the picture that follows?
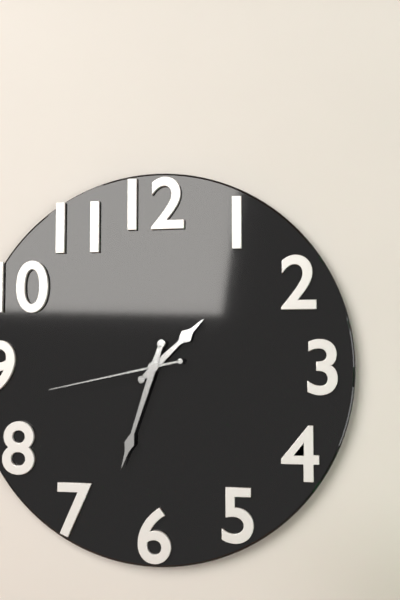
1:33:43
